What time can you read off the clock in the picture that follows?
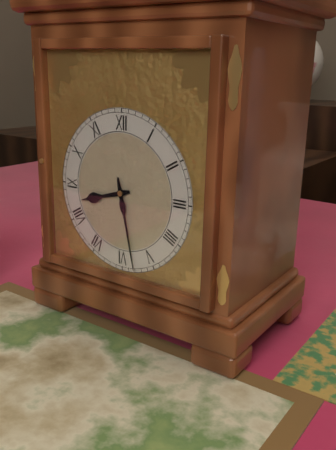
8:28
